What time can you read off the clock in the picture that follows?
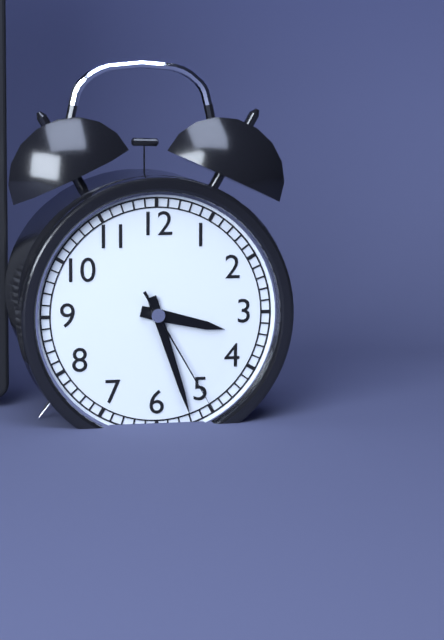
3:27:25
